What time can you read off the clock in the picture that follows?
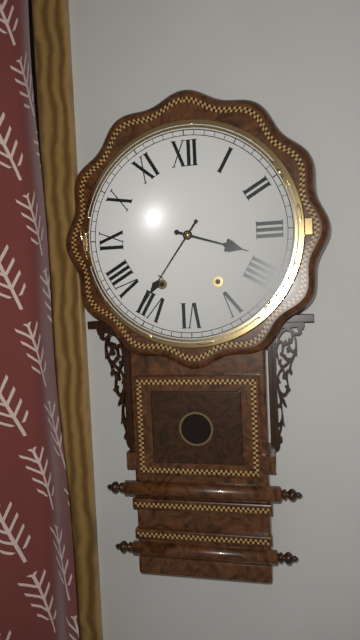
3:36
